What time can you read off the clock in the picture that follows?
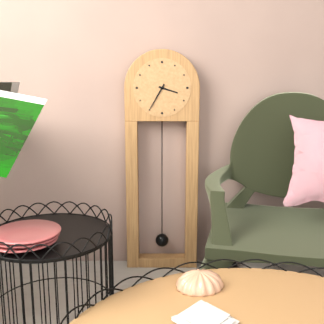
3:35
